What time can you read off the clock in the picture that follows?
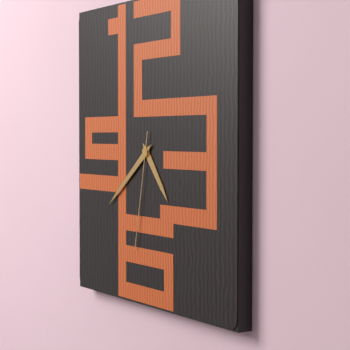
4:39:32
